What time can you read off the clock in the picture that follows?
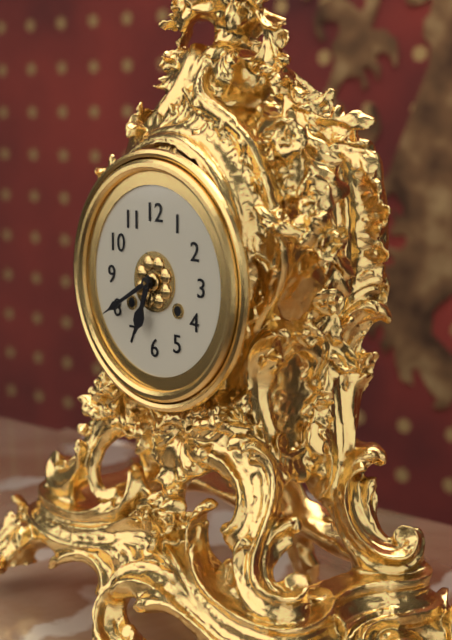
6:40
